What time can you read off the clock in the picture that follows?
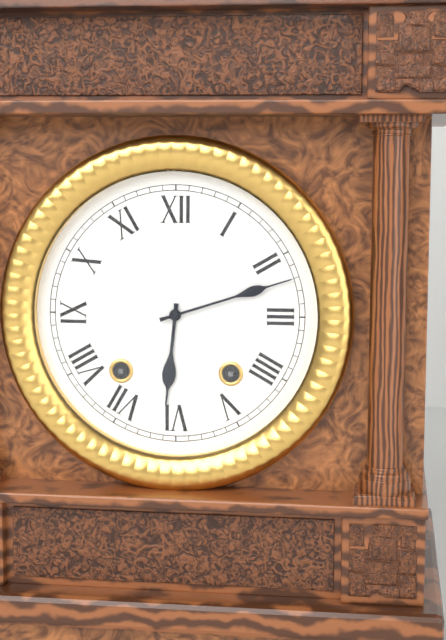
6:12
